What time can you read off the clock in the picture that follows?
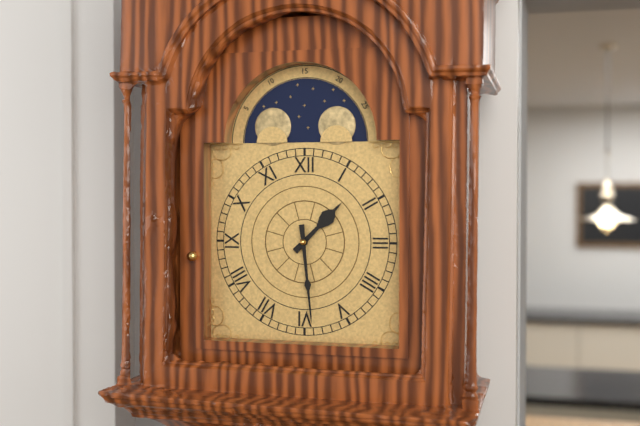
1:29
